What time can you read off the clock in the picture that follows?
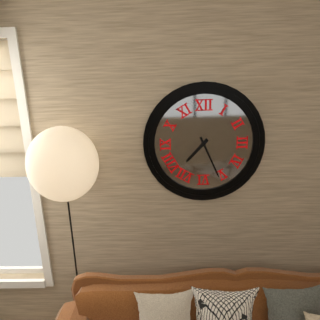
7:26
